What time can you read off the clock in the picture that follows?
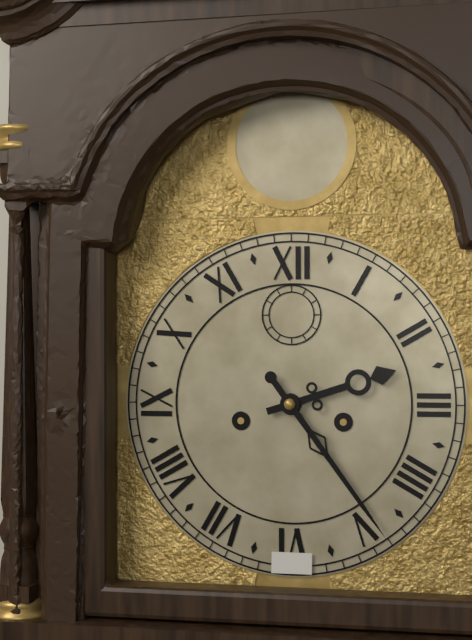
2:24
